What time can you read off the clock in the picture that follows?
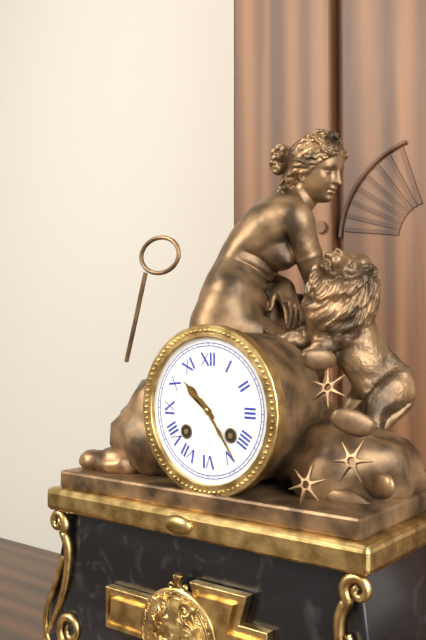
10:24
